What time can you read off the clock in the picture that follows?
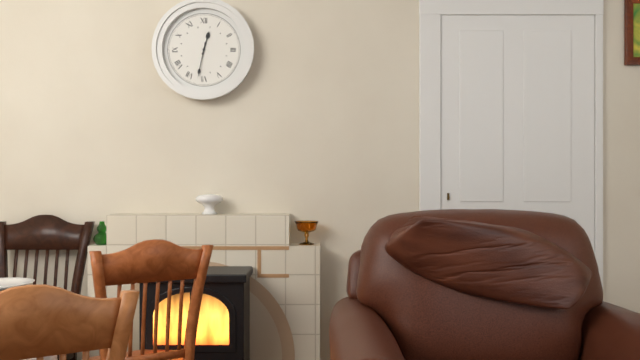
12:32
